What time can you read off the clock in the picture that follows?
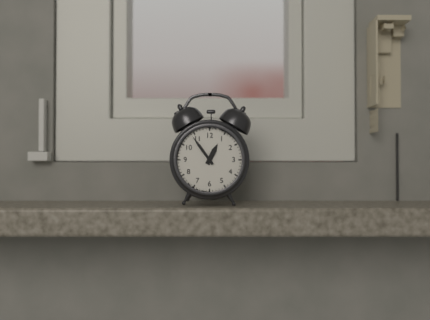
12:54
